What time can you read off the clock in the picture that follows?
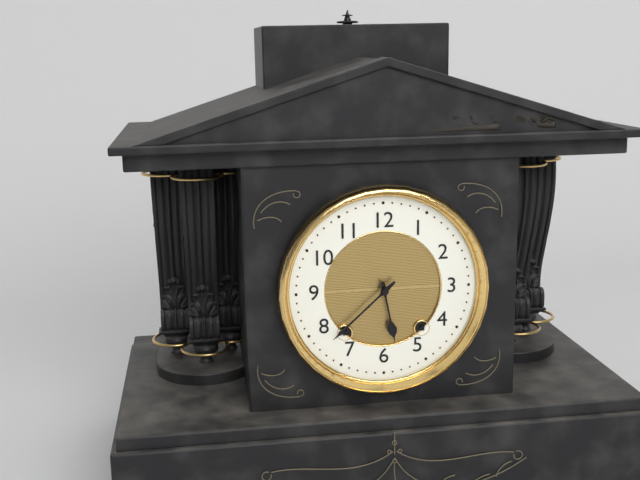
5:38
